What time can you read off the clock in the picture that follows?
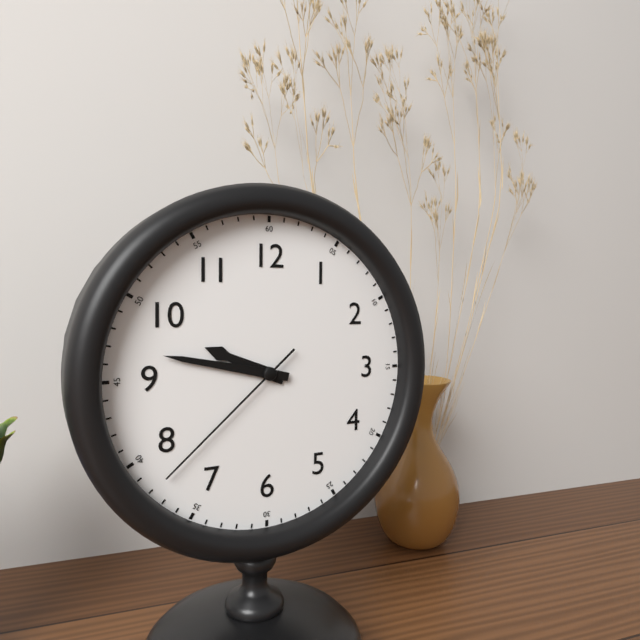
9:47:38
